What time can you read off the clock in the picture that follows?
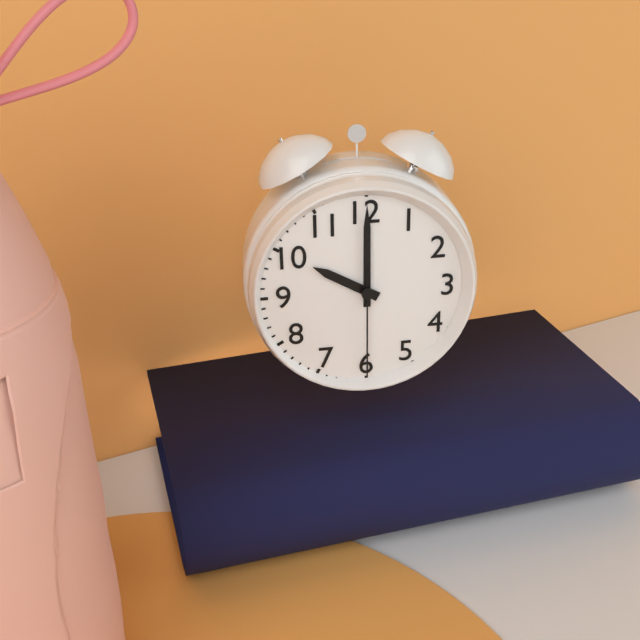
10:00:30
